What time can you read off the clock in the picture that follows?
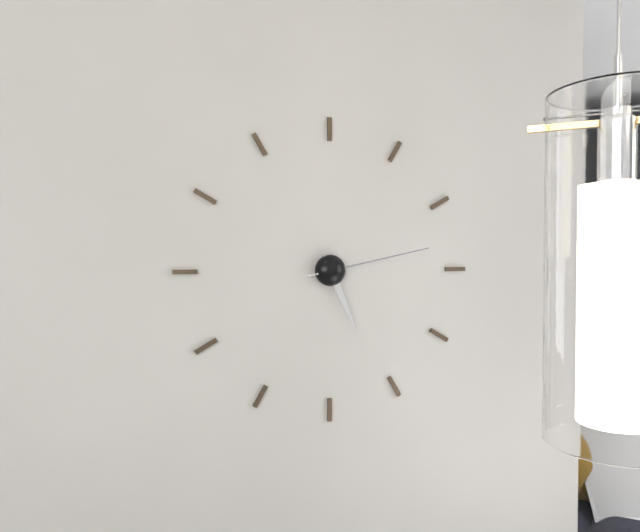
5:13
